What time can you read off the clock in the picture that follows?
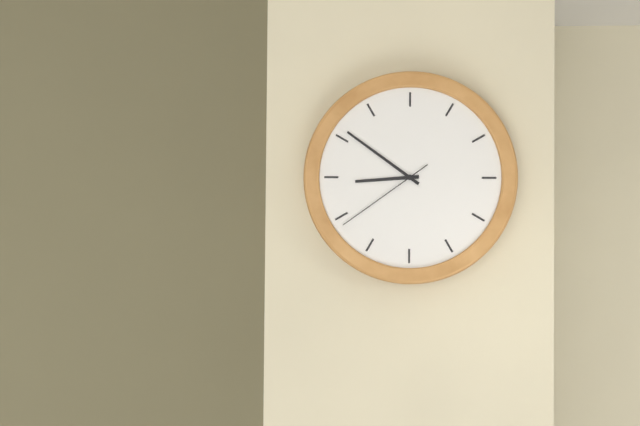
8:51:39
